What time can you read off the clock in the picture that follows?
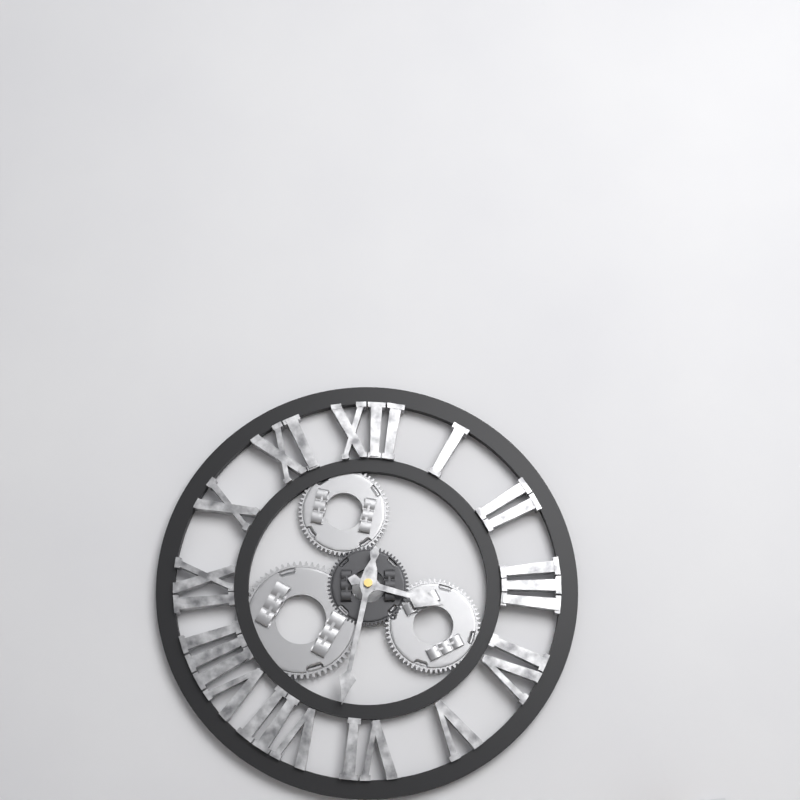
3:32
